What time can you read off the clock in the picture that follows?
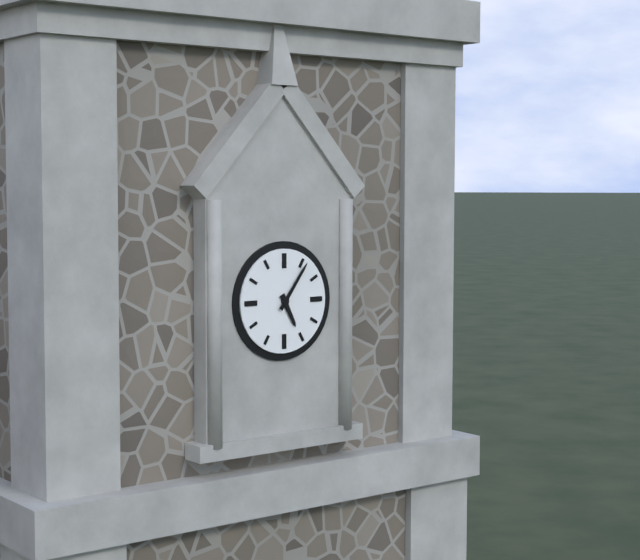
5:06
